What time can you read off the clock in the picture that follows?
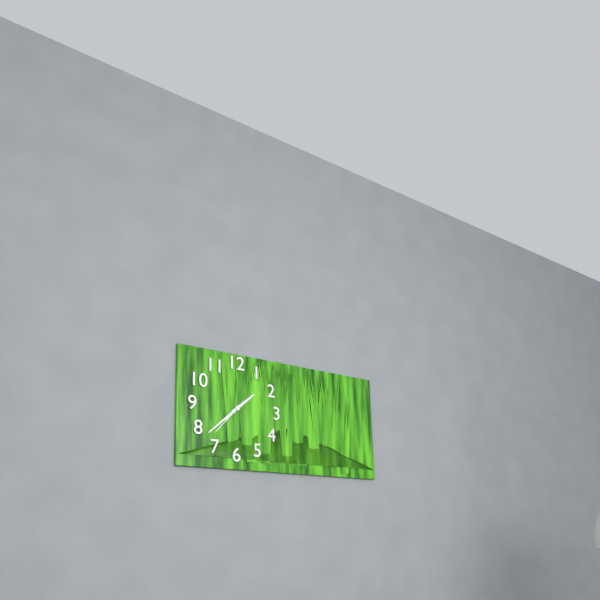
1:38
